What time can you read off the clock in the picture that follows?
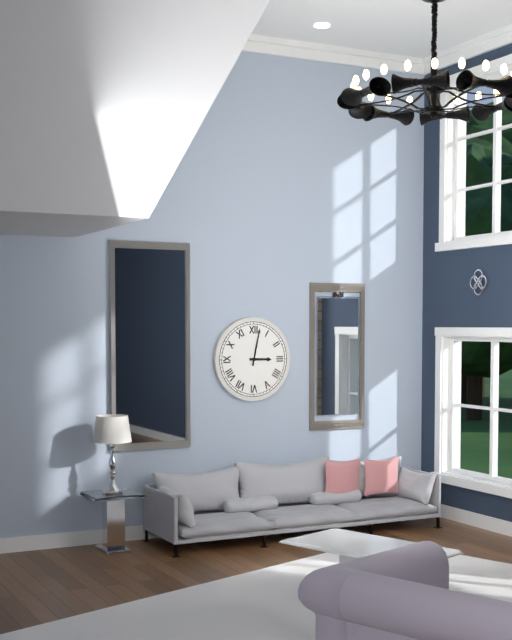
3:02
